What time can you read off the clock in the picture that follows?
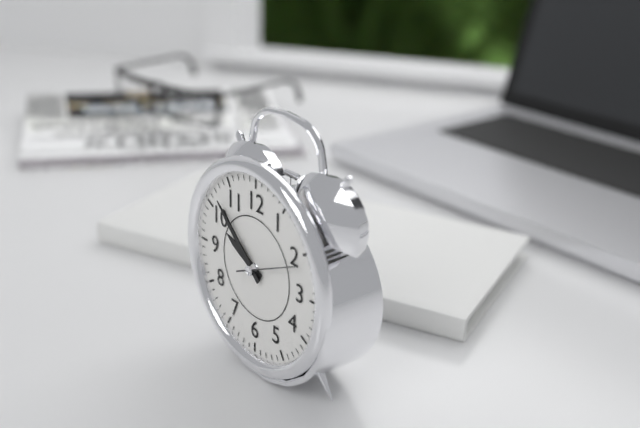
9:52:11
